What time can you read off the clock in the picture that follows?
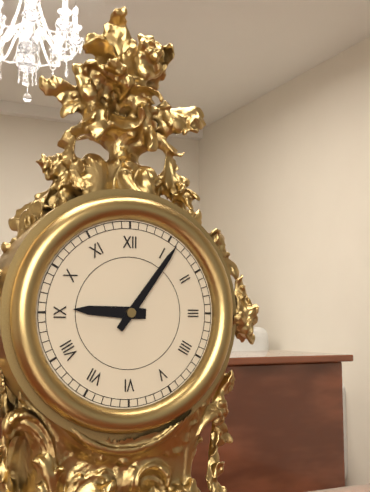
9:06
